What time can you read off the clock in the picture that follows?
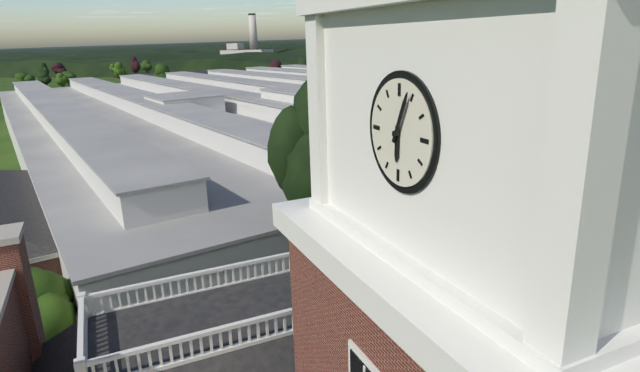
6:04
